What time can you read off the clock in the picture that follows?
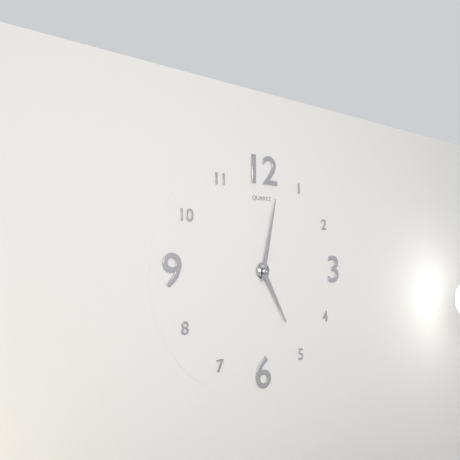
5:02
